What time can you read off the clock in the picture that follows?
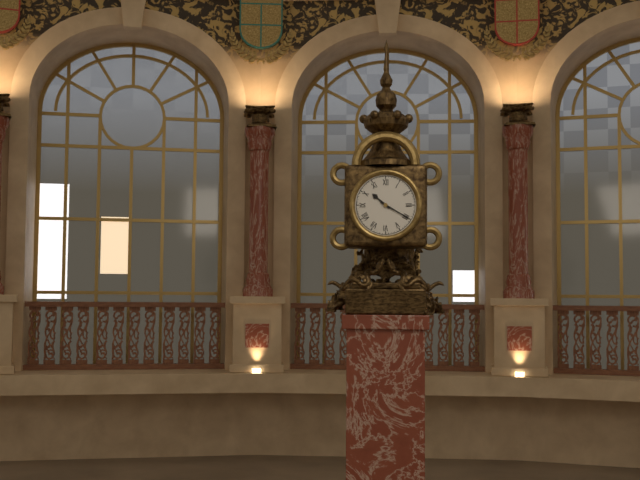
10:20
